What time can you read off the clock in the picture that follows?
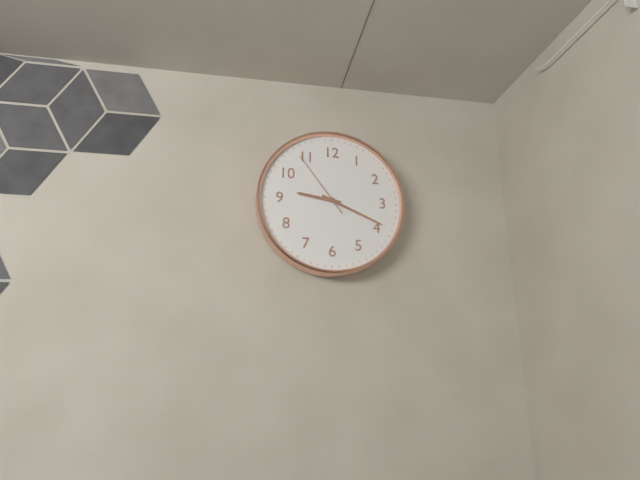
9:19:54
